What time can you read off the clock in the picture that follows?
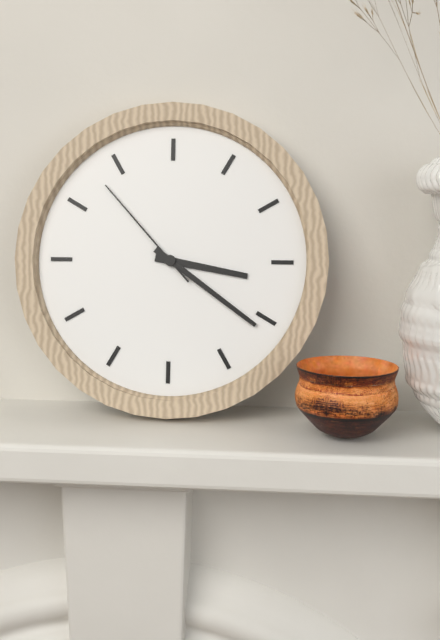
3:21:53
